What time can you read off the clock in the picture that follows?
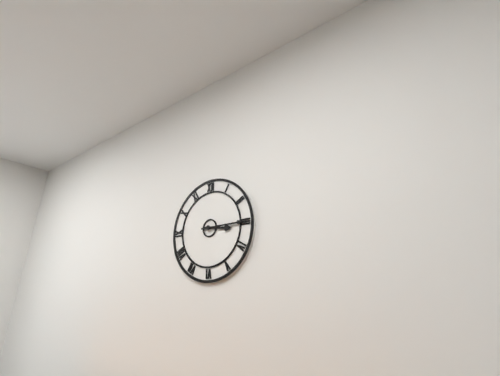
3:15
